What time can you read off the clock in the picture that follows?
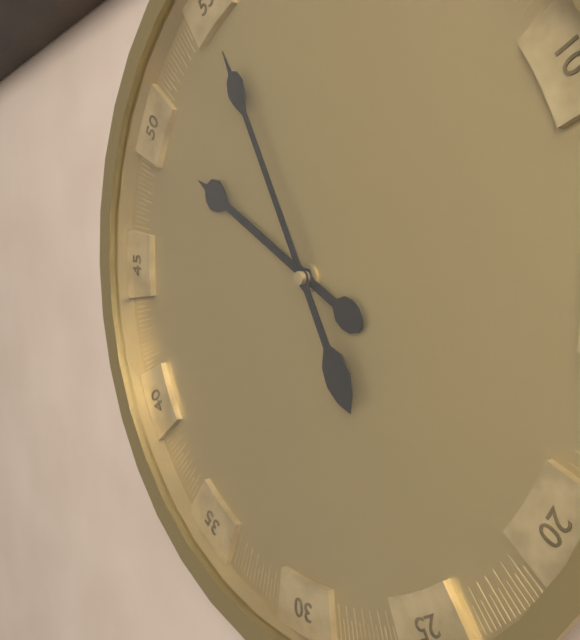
9:55
